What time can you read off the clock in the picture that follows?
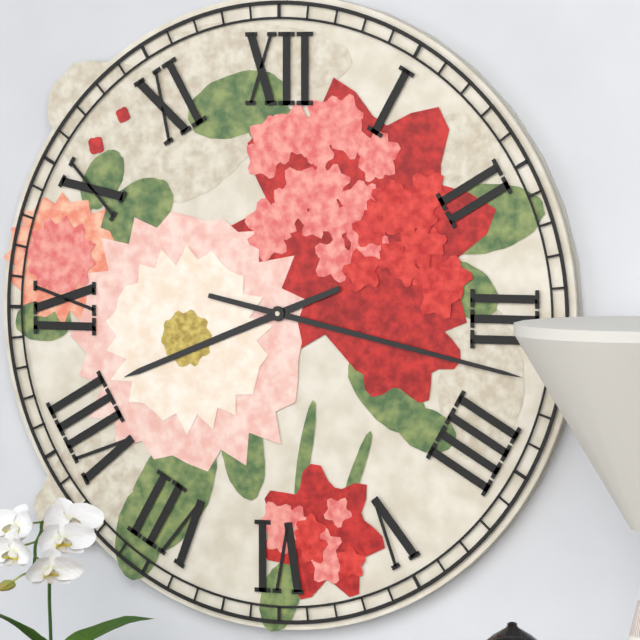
8:17
